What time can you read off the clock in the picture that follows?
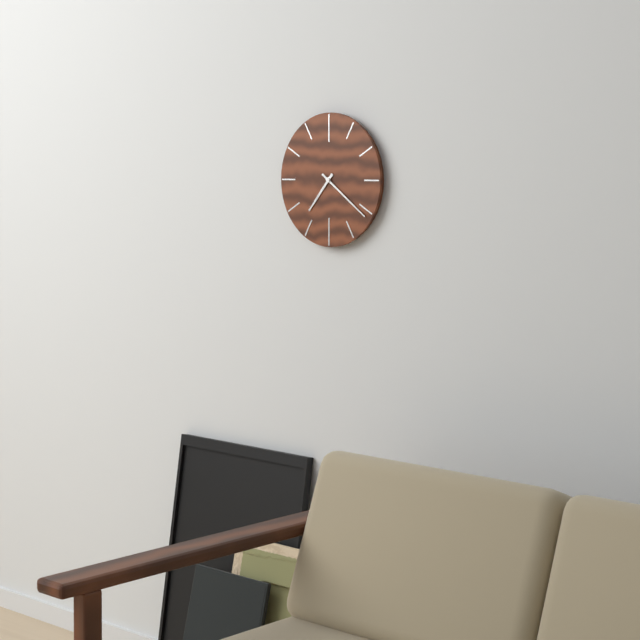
7:21
